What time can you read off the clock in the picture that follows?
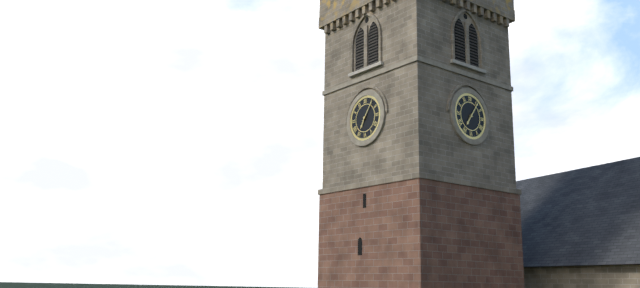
7:06
